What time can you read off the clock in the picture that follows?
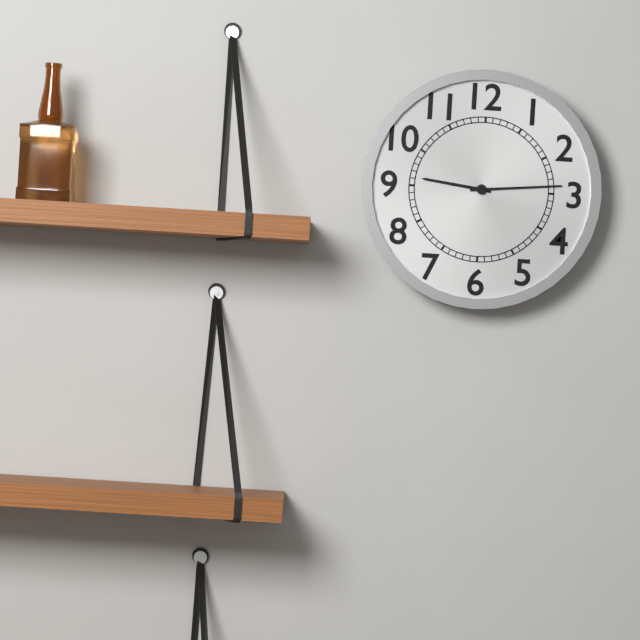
9:14
